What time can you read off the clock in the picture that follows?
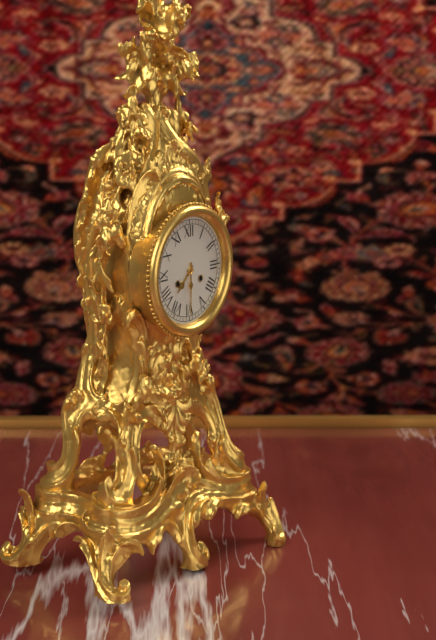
7:30
